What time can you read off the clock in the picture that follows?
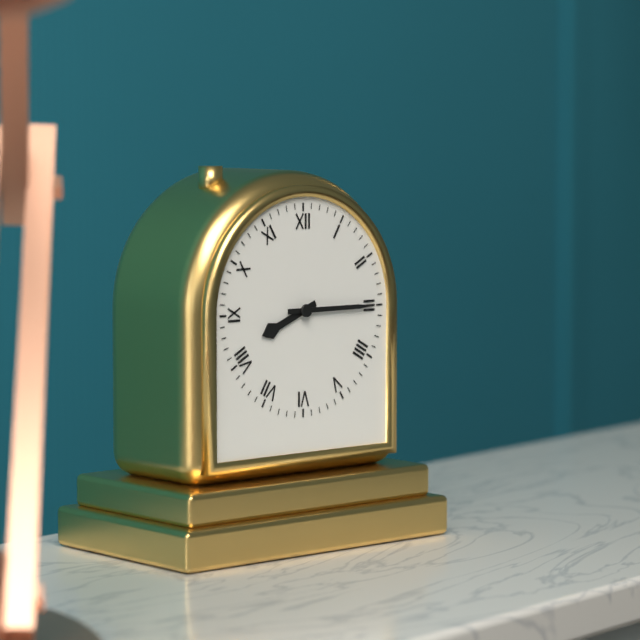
8:15
